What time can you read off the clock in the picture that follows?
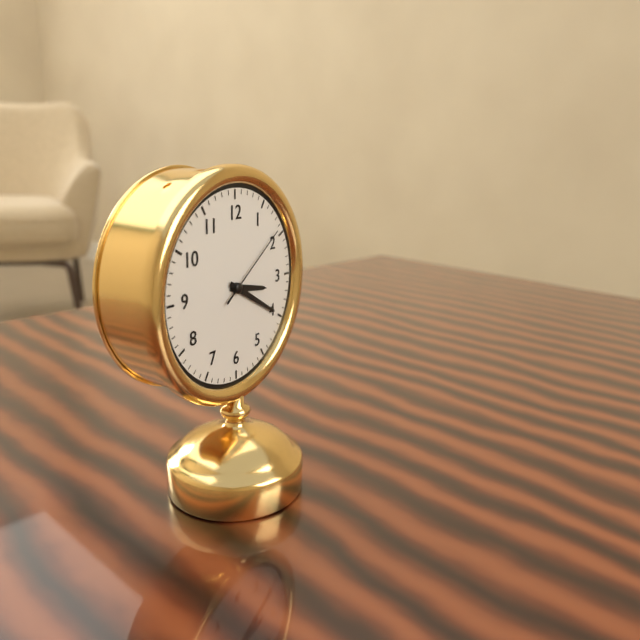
3:20:09
